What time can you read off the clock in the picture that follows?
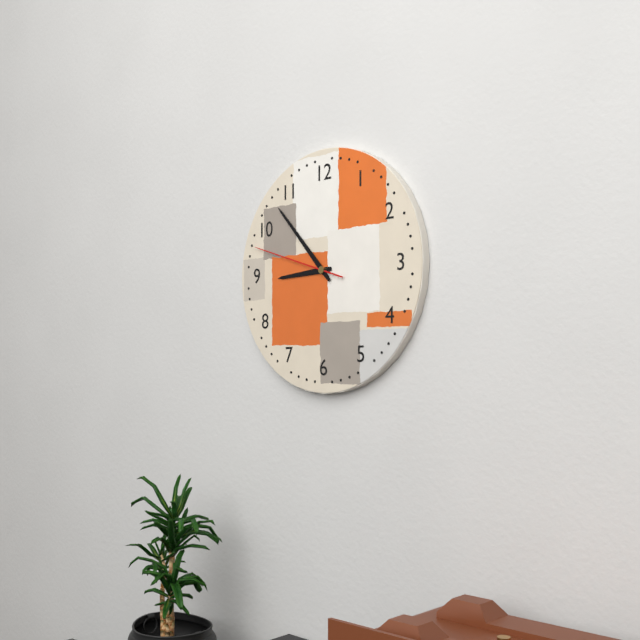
8:53:48
